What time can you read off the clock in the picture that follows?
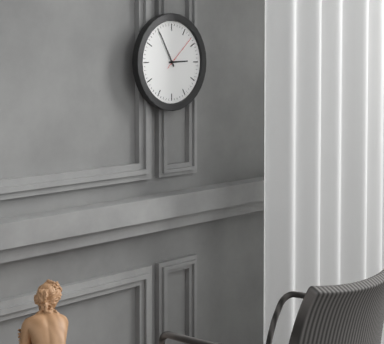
2:55
